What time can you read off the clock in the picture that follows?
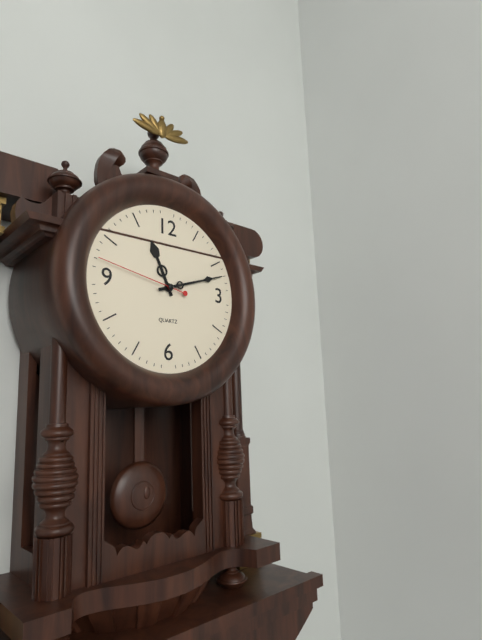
11:12:47
